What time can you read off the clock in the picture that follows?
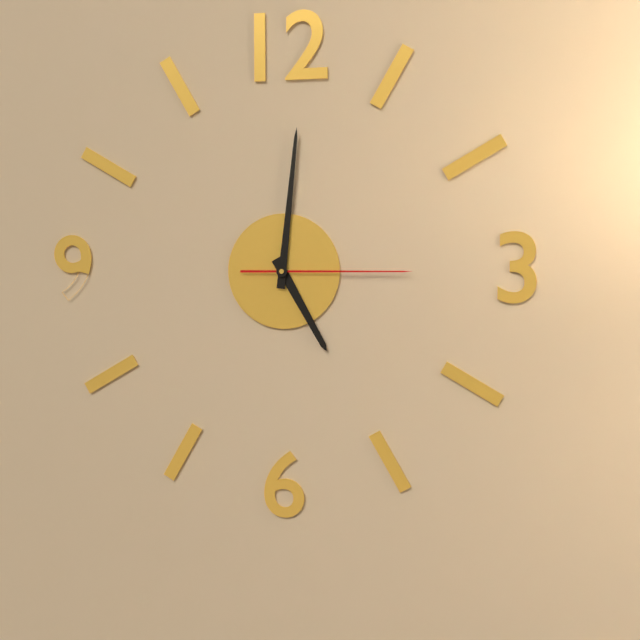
5:01:15
